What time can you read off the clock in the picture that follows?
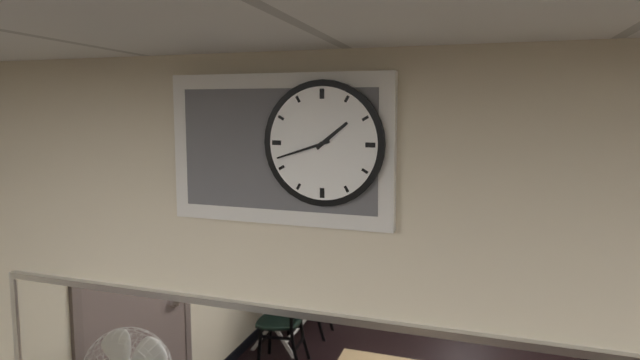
1:42
